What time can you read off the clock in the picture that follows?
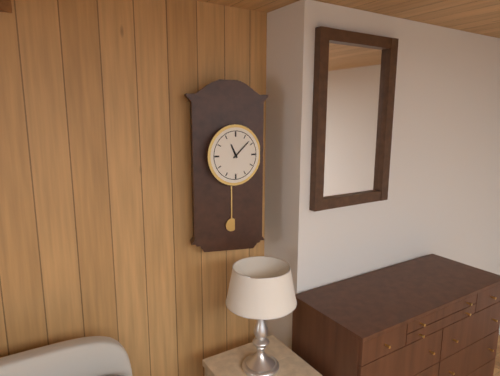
11:08
